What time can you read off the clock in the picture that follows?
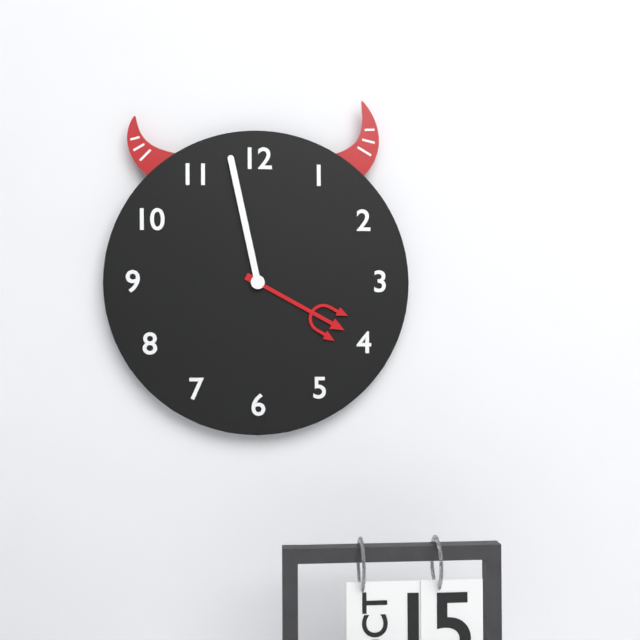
3:58
